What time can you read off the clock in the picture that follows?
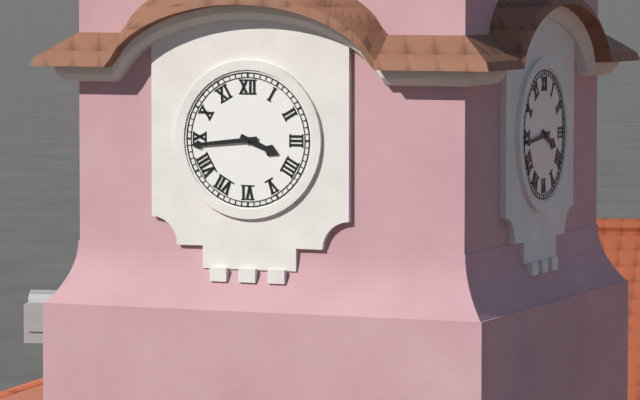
3:44
